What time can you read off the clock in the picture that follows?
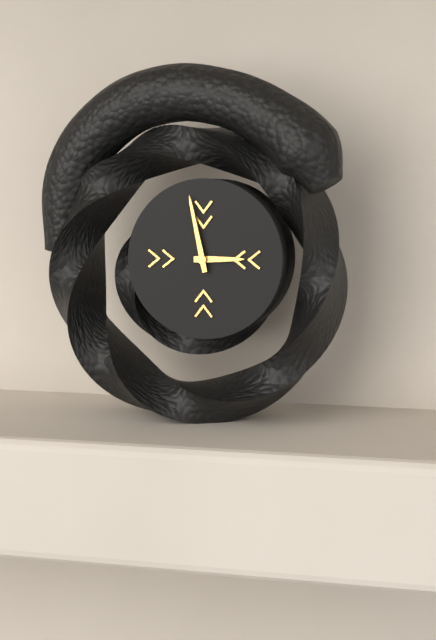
2:58
